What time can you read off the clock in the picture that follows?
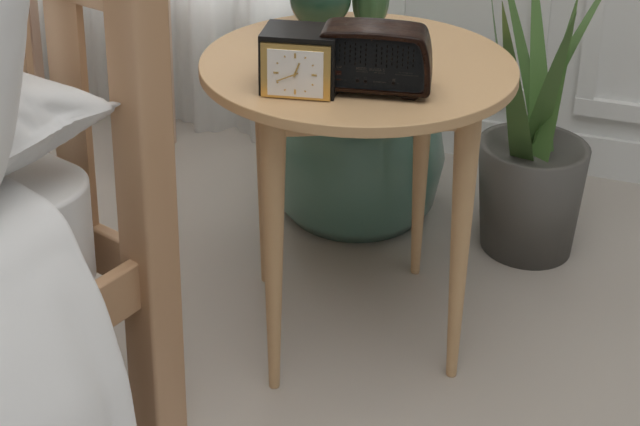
12:41
